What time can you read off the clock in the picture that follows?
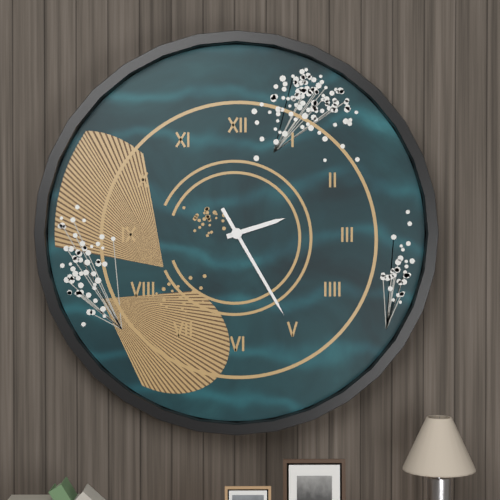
2:25
